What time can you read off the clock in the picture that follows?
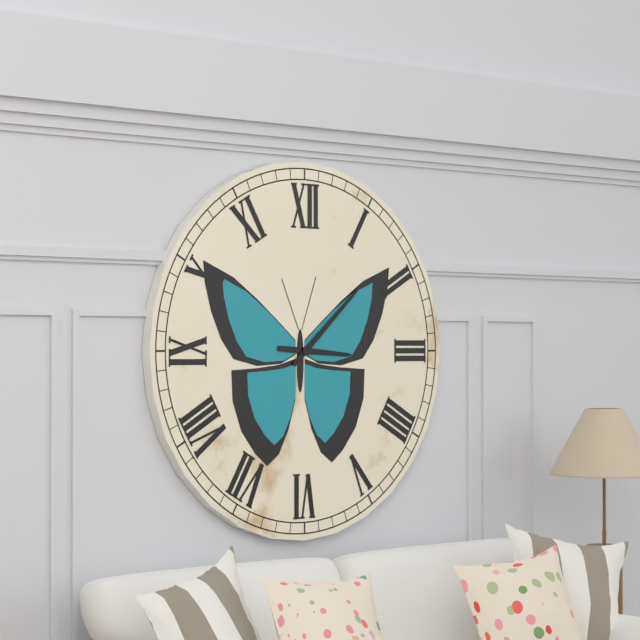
3:08
